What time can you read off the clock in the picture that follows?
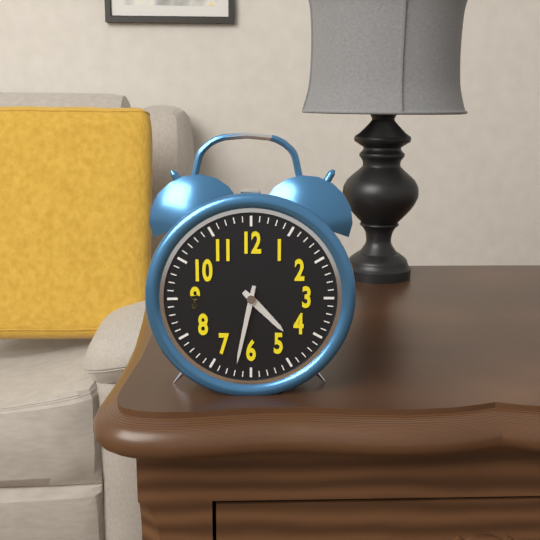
4:32
